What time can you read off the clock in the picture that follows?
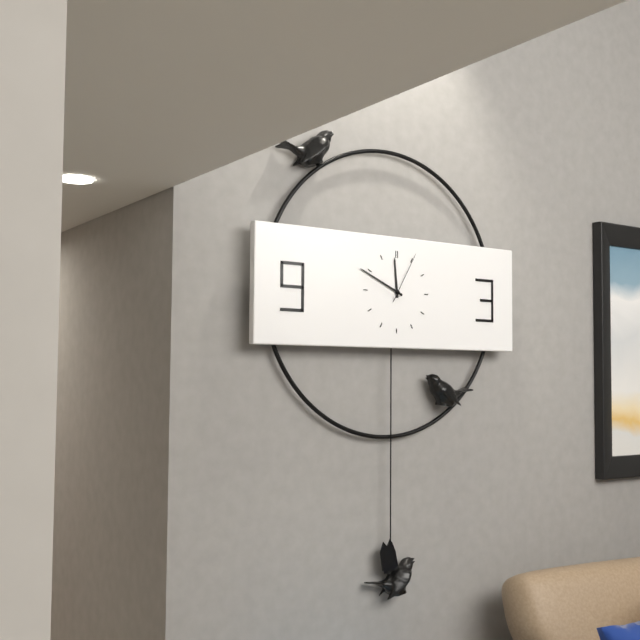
11:49:05
